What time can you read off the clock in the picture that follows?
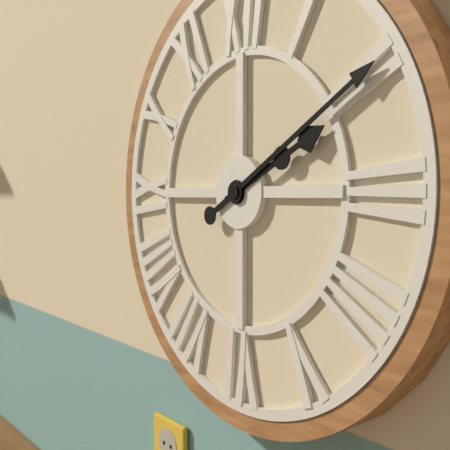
2:10
